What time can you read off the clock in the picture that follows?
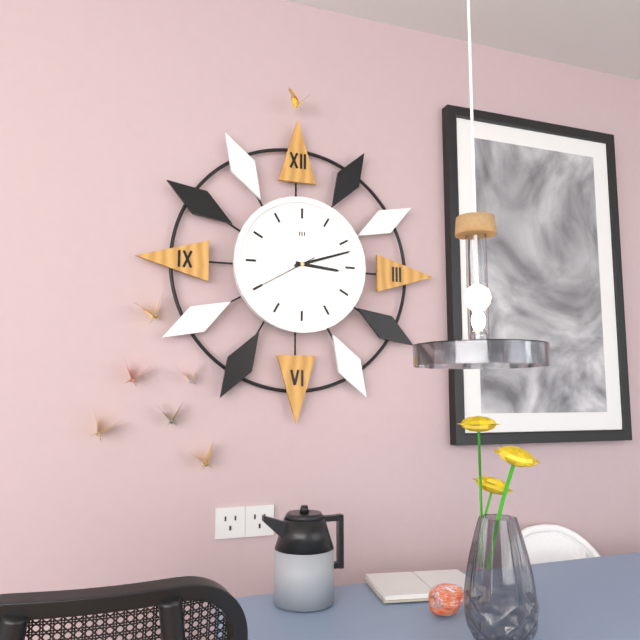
3:12:40
